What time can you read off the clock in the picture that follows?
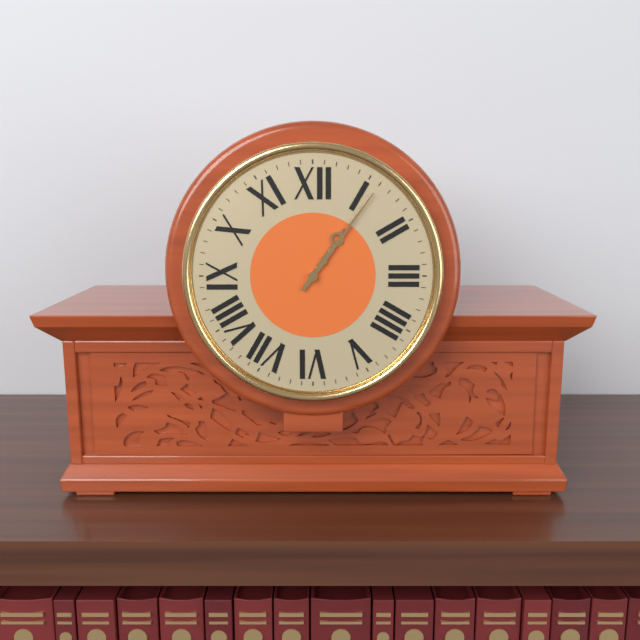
1:06
